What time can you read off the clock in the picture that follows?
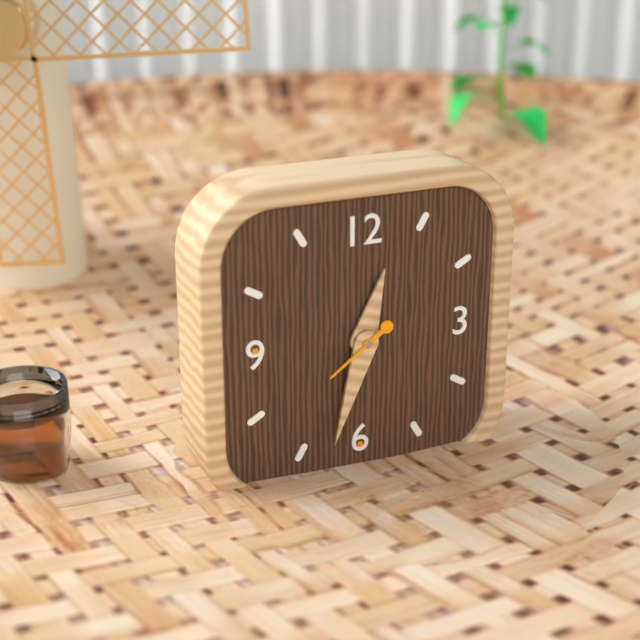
12:33:39
